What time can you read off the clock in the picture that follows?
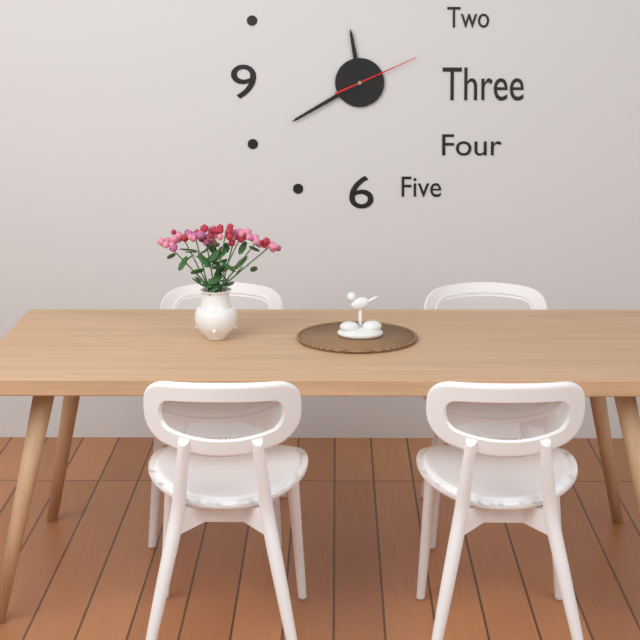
11:40:11
